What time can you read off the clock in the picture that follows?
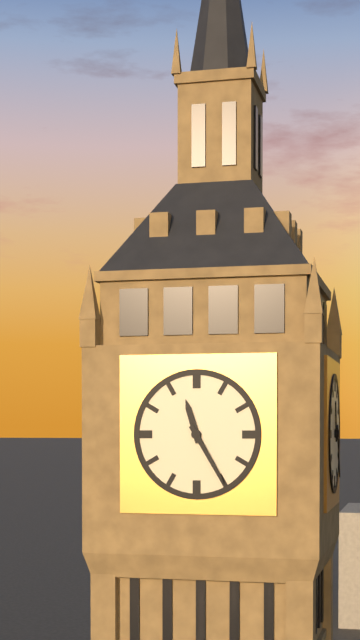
11:25
